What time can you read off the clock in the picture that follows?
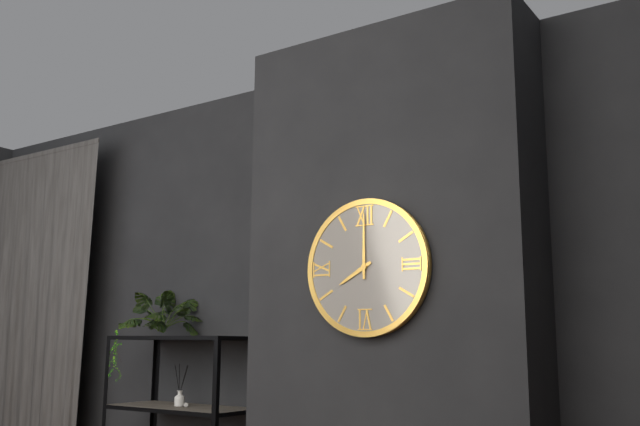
8:00
